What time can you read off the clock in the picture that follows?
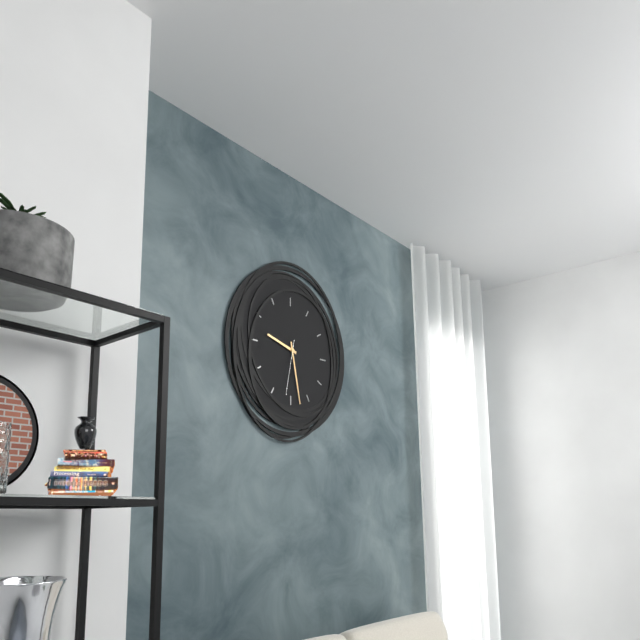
9:28:32
